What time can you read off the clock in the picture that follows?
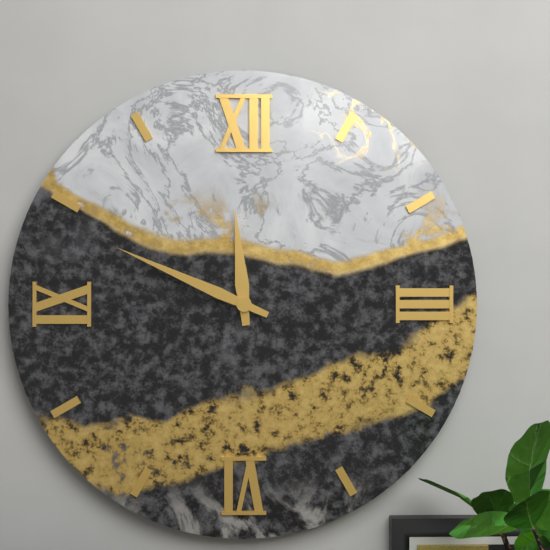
11:49
